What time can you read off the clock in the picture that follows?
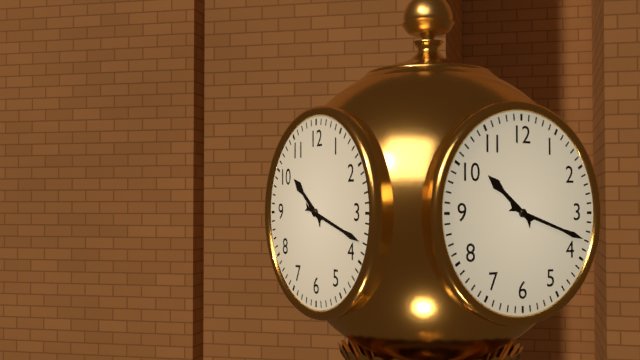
10:18
